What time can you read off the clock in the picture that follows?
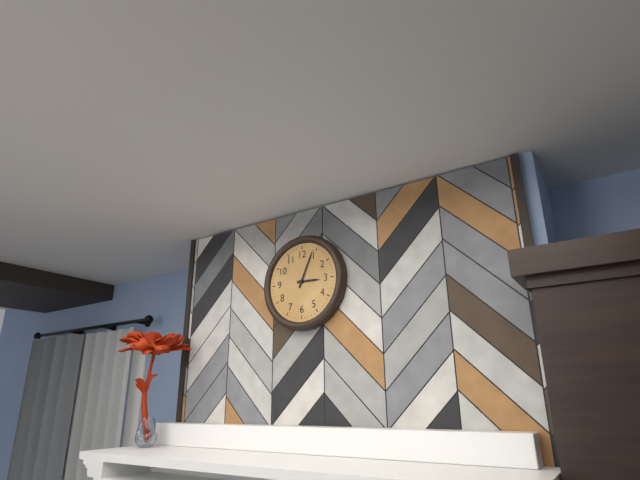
3:04
